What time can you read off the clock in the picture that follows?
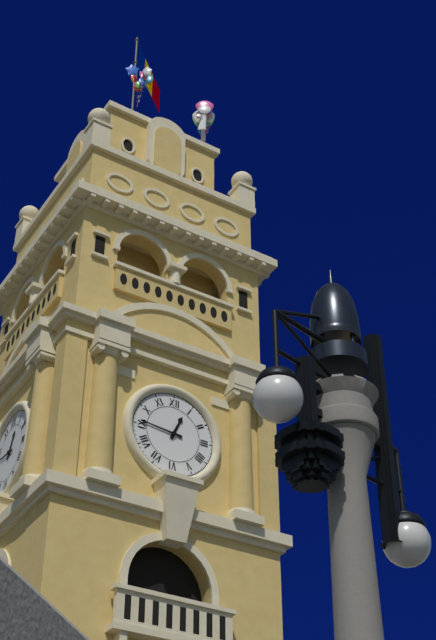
12:46
